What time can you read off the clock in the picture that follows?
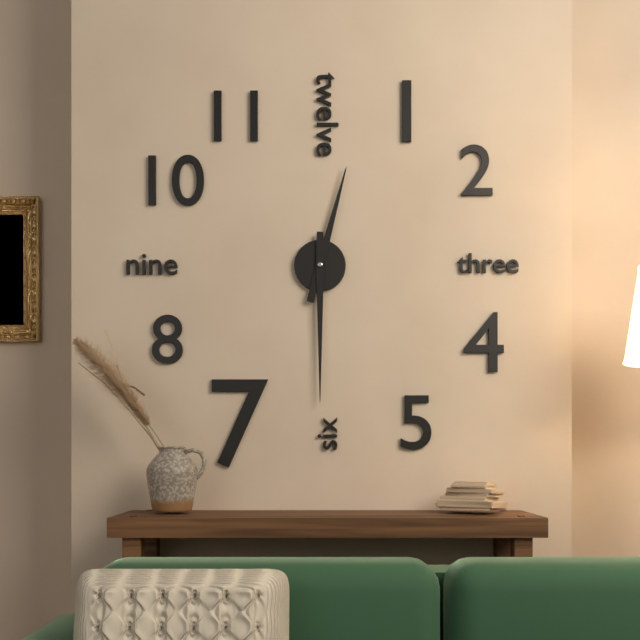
12:30
